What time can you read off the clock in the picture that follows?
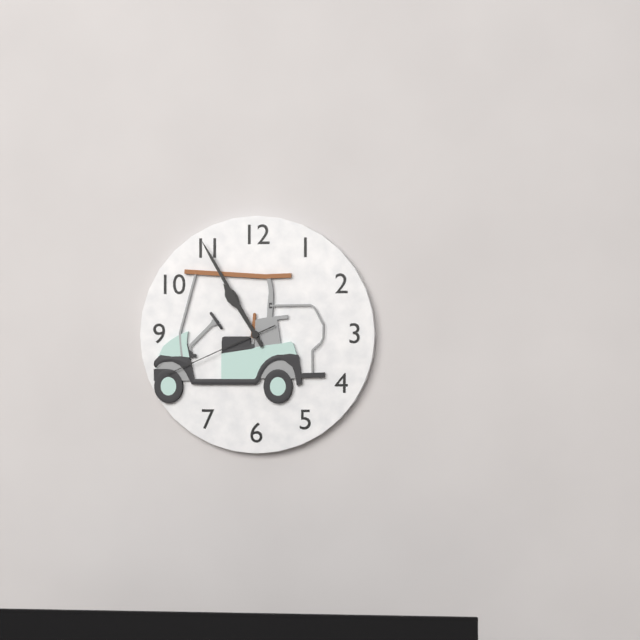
10:55:41
